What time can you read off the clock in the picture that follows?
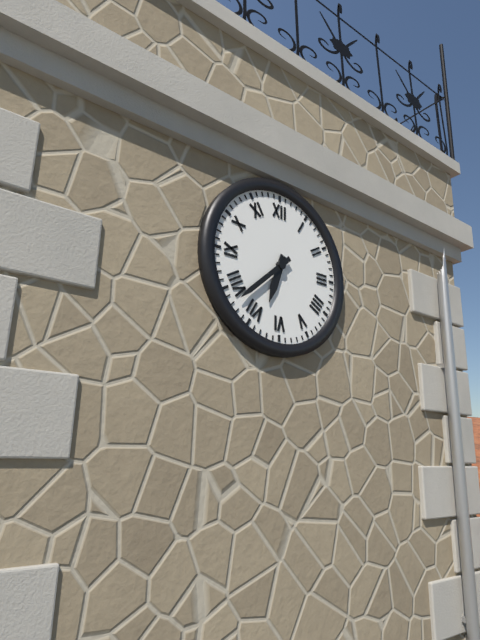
6:38
